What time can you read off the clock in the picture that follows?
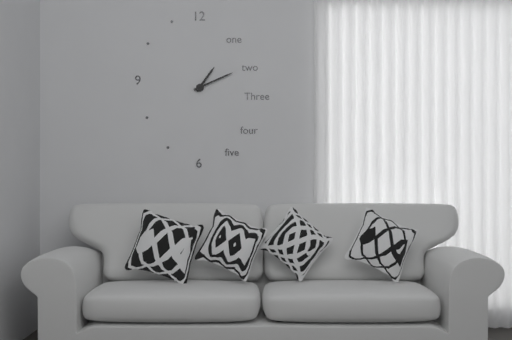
1:11
